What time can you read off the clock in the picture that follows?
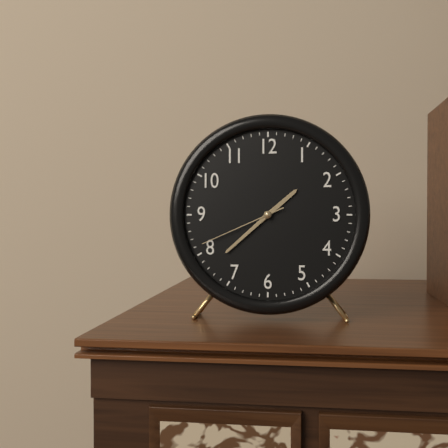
1:38:41
